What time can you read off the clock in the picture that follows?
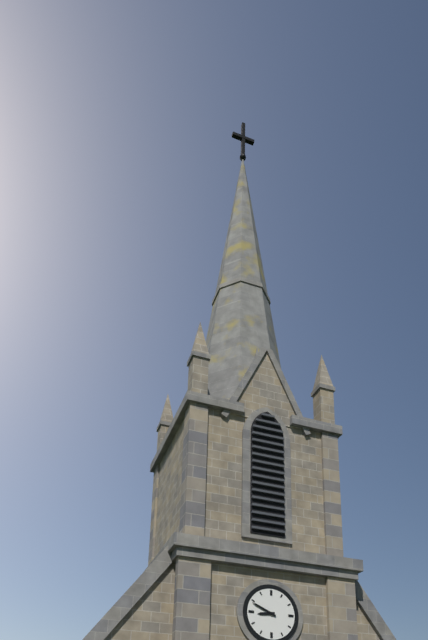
8:49
